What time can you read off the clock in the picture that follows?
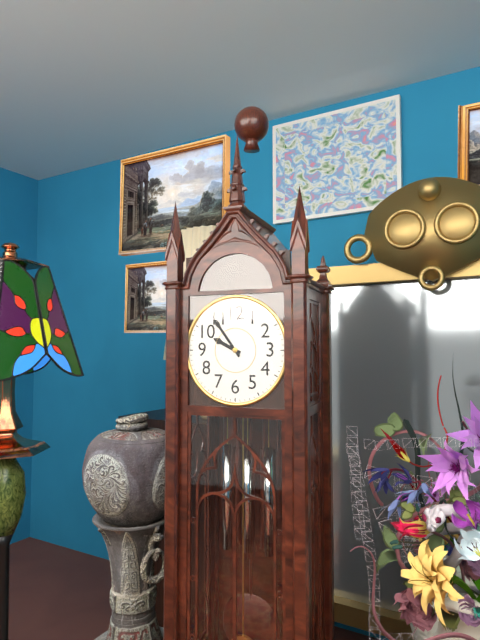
9:54
